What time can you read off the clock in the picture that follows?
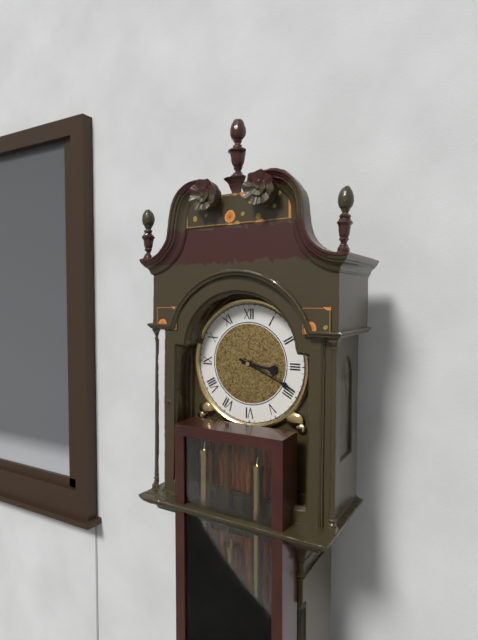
3:19
